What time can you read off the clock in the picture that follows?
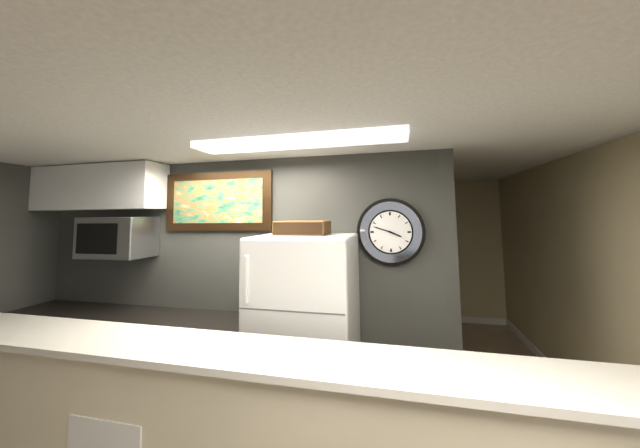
3:48
